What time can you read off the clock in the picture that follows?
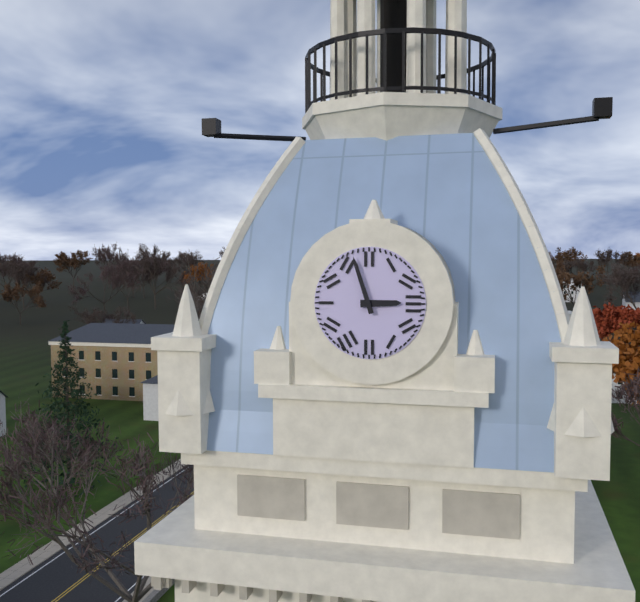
2:57
